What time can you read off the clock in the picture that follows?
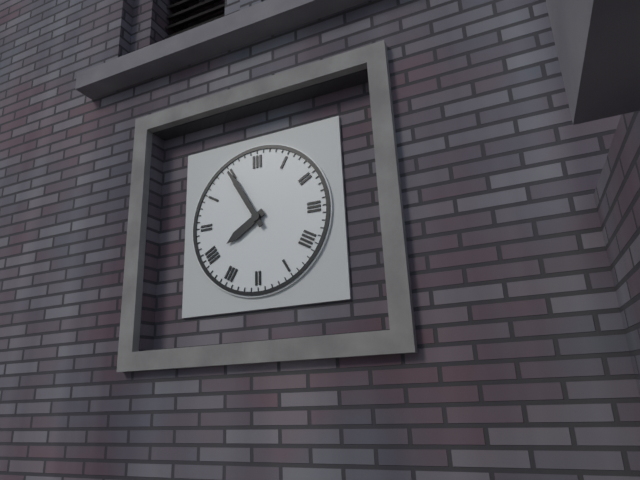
7:55
